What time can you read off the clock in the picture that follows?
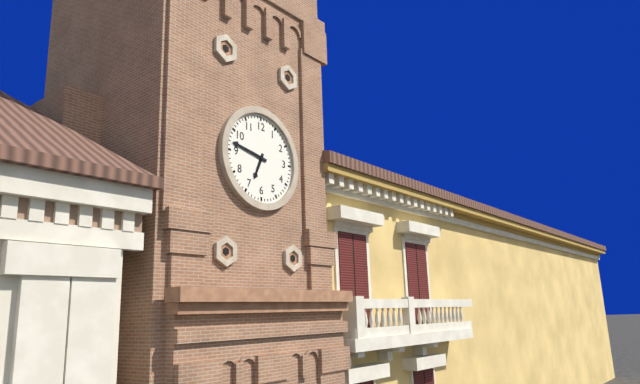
6:47
